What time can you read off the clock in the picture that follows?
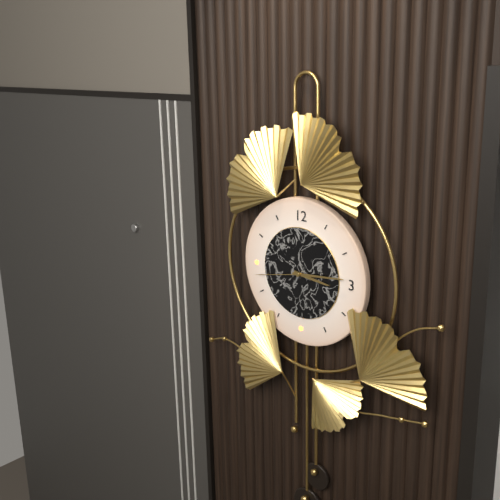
3:14:43
